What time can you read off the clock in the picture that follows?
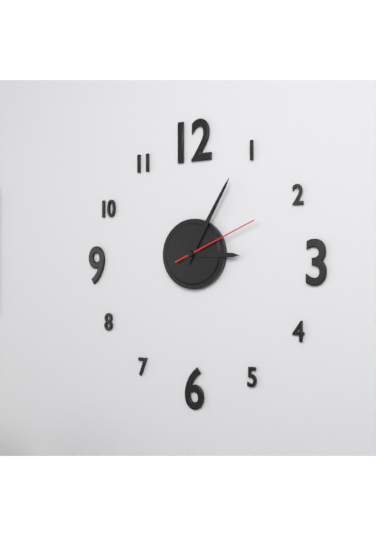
3:05:11
